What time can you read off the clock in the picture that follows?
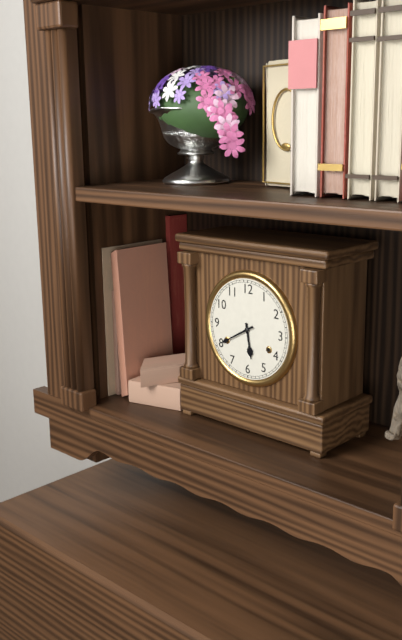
5:40
